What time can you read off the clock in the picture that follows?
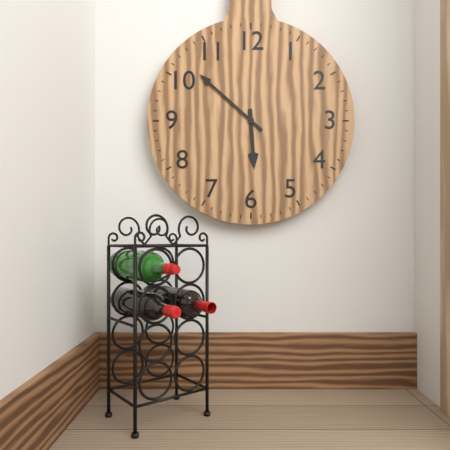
5:52
